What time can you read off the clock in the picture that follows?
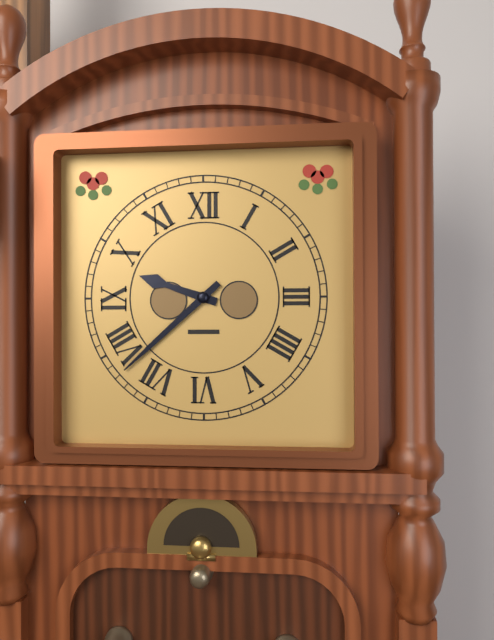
9:38
